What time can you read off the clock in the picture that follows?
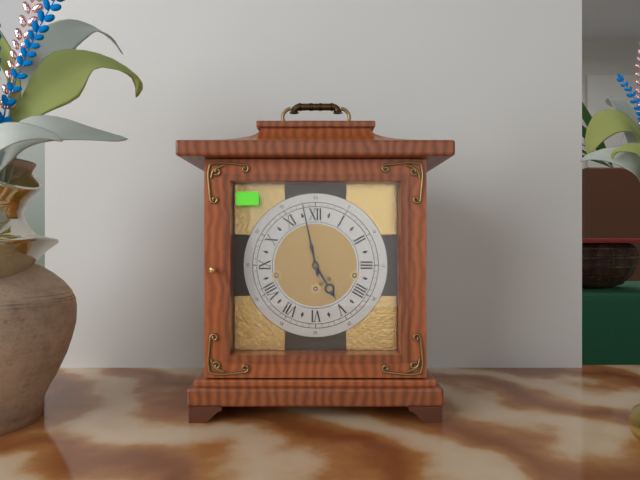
4:58
